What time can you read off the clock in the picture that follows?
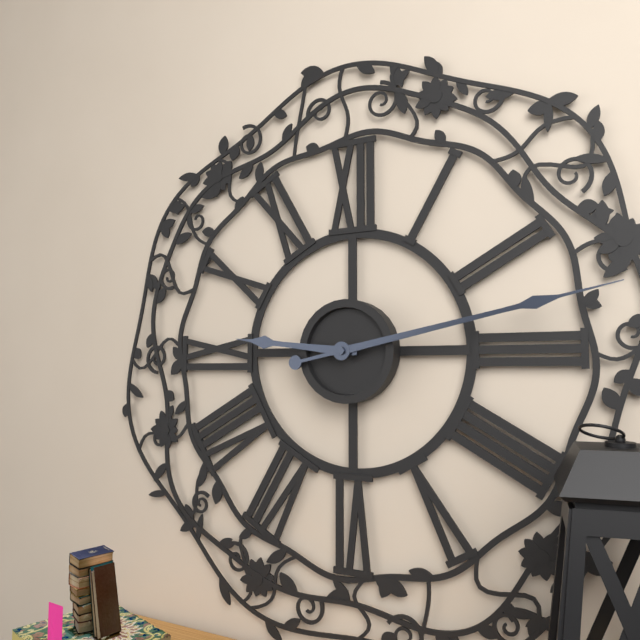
9:13
